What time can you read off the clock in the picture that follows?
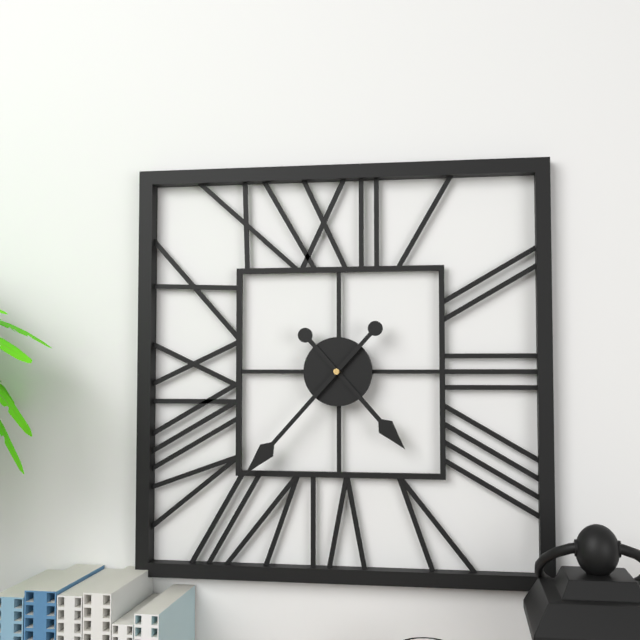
4:37
